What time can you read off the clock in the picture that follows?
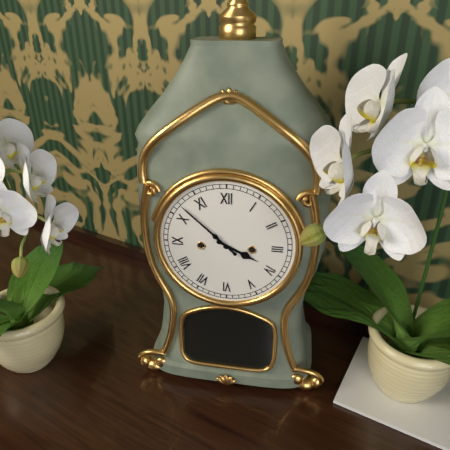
3:52
